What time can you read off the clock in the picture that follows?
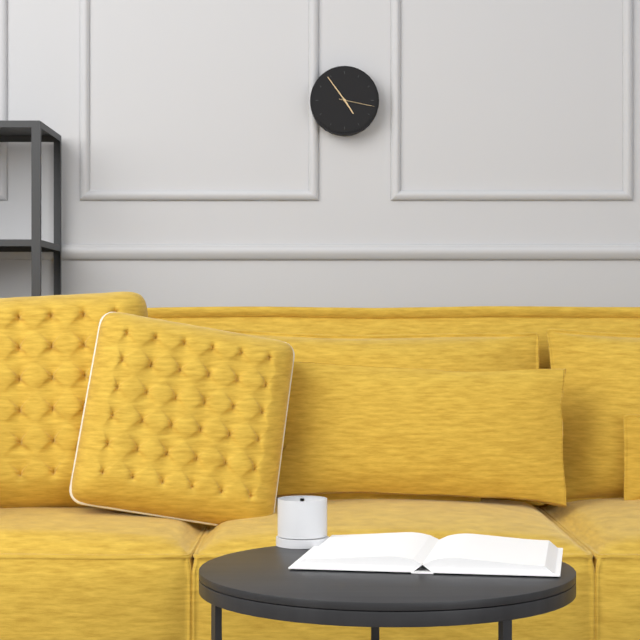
4:54
